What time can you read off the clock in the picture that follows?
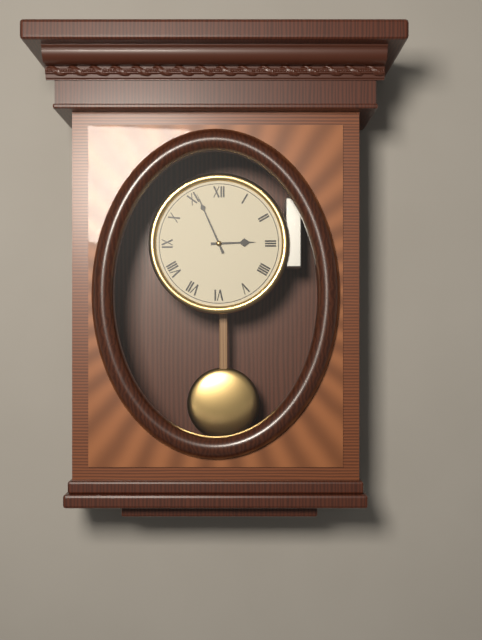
2:56
